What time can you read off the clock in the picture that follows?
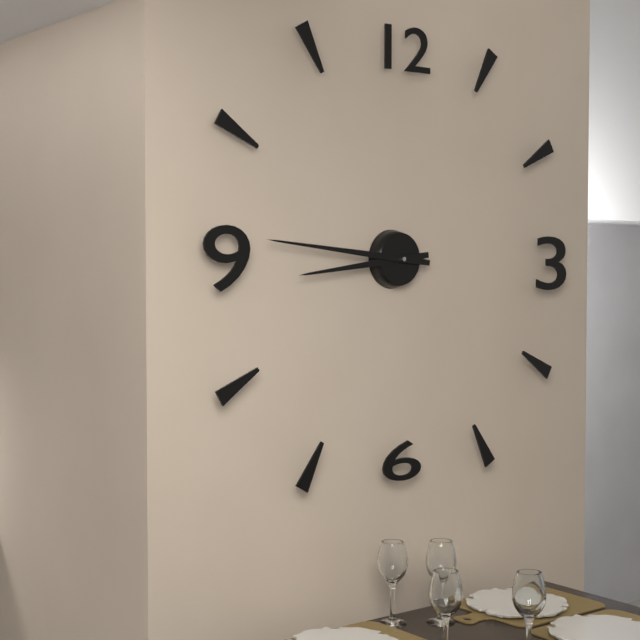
8:46
